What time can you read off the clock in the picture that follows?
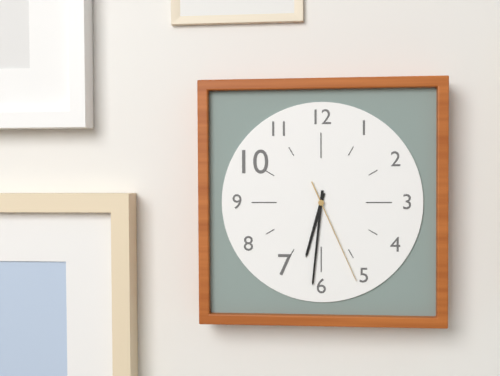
6:31:26
